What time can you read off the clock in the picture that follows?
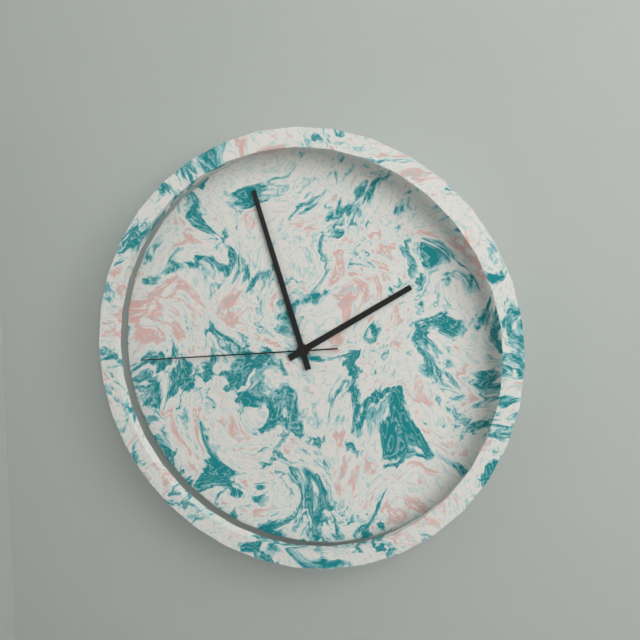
1:57:44
